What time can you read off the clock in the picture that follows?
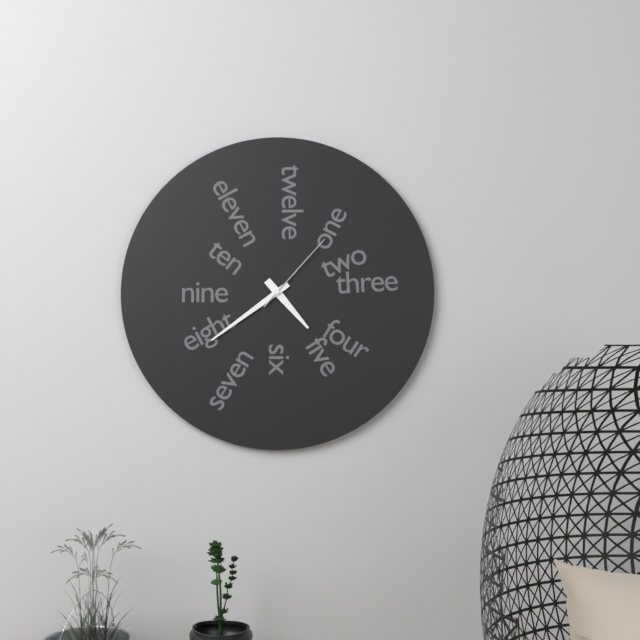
4:39:07
